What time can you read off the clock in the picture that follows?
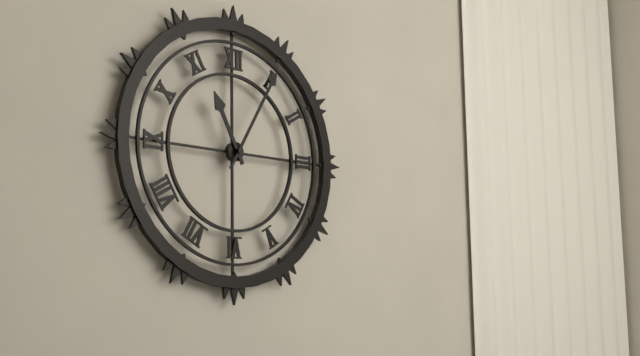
11:05
